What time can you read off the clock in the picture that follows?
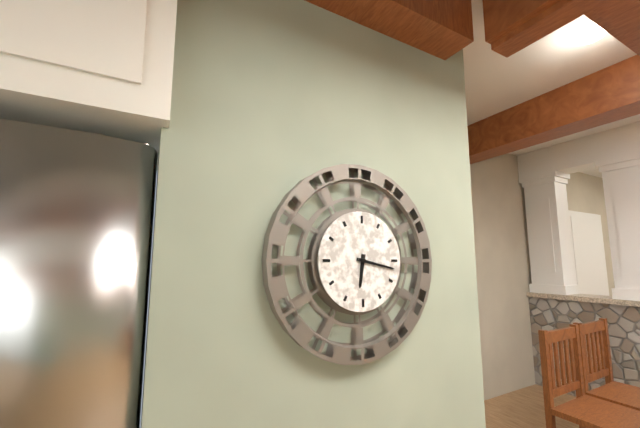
6:17
